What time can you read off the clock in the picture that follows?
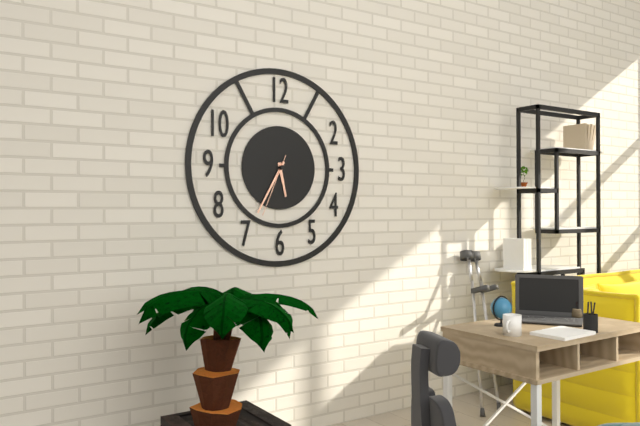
5:35:34
